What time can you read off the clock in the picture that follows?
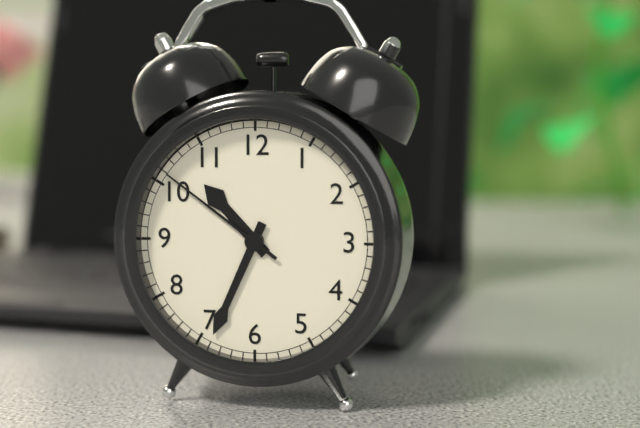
10:34:51
